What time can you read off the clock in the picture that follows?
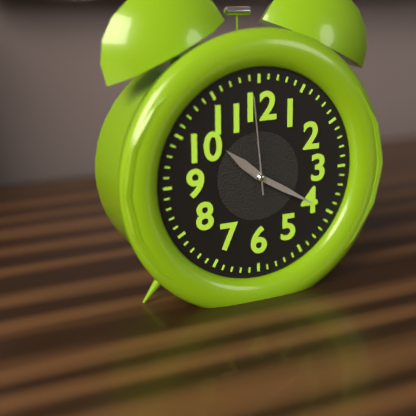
10:20:59
